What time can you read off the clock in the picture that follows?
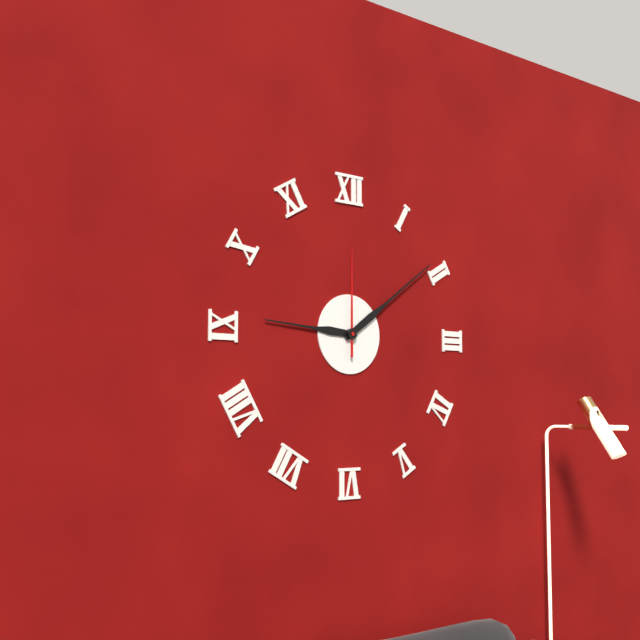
9:09:00
